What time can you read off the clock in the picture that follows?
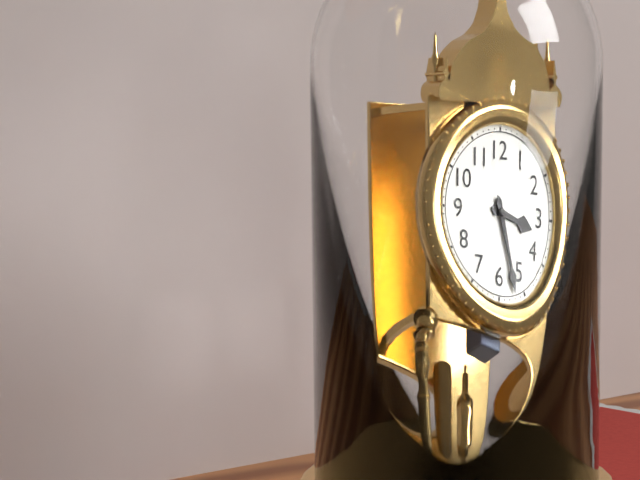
3:27
